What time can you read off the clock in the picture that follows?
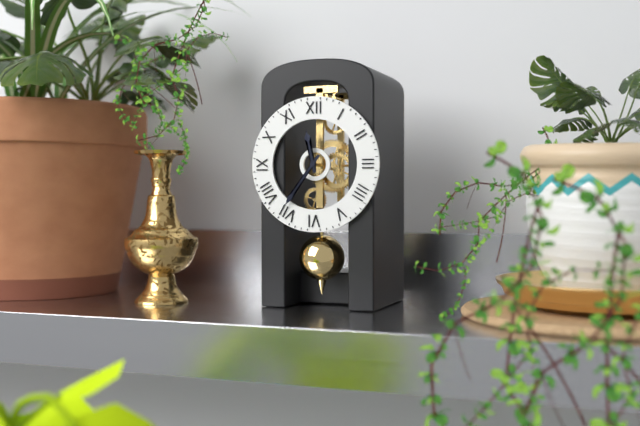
11:36
